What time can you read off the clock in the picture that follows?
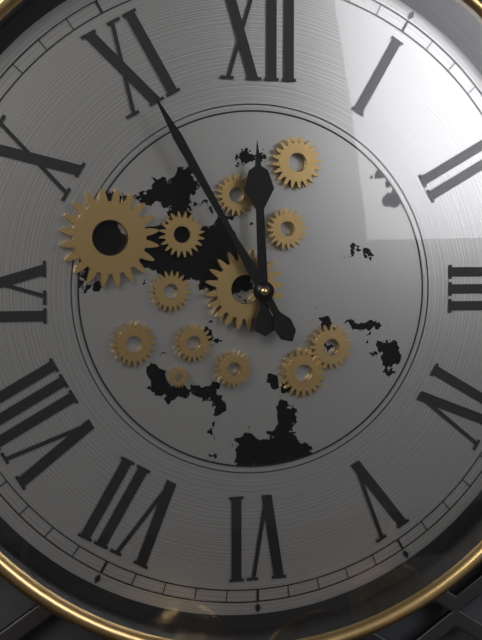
11:55
